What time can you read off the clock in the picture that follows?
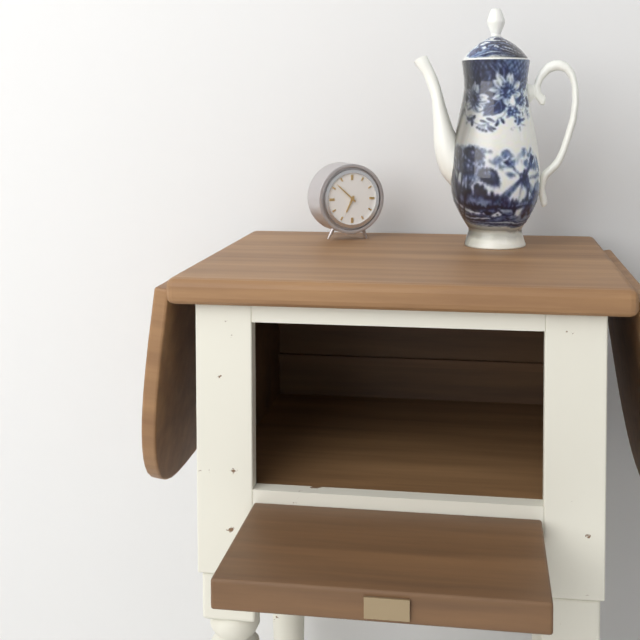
6:52
